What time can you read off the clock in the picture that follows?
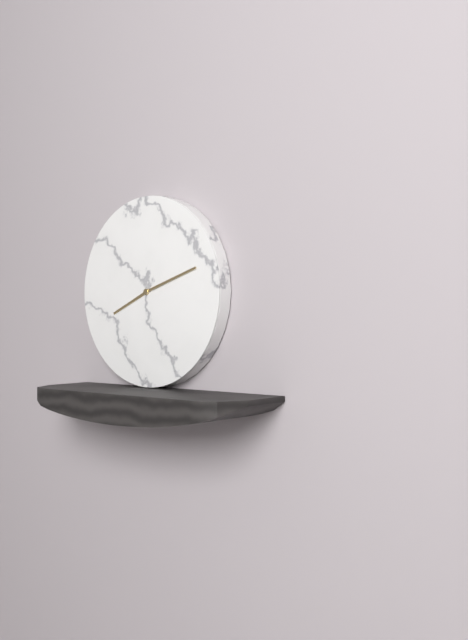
8:12
